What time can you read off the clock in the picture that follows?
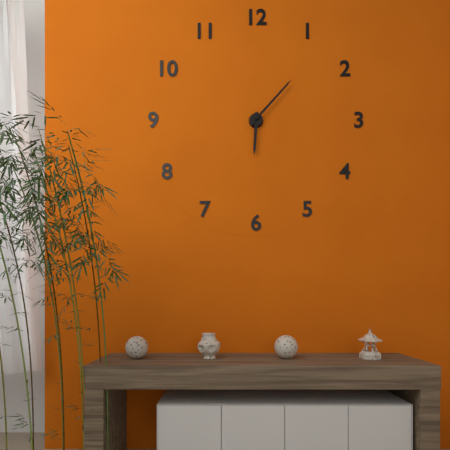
6:07
